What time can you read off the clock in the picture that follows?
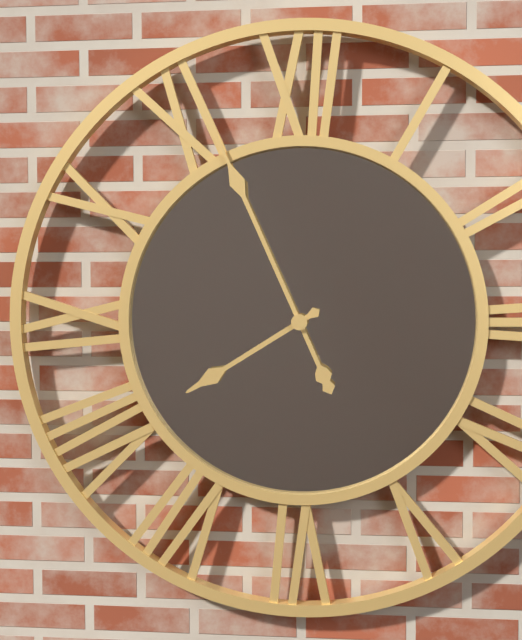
7:56
